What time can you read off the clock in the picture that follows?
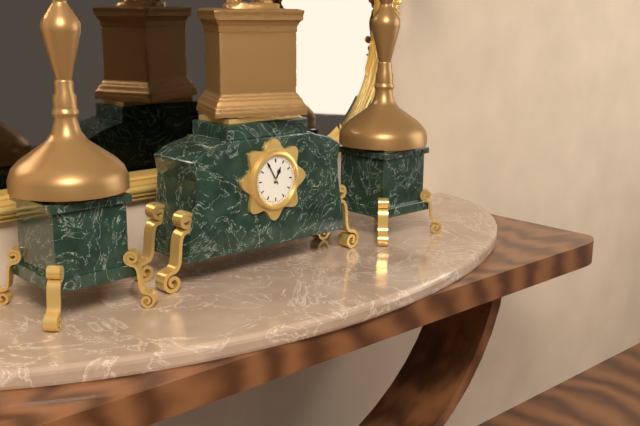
12:55
